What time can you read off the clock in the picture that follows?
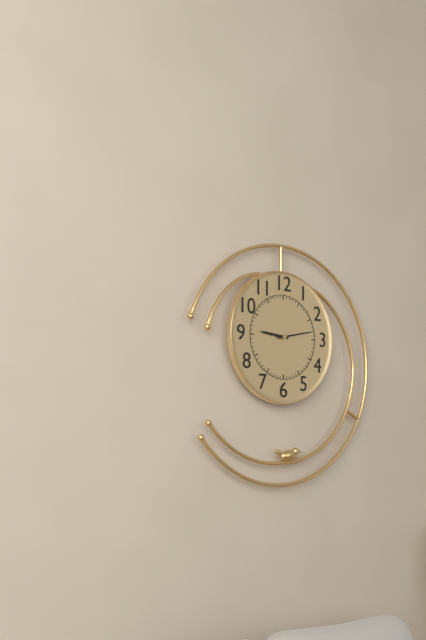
9:13
